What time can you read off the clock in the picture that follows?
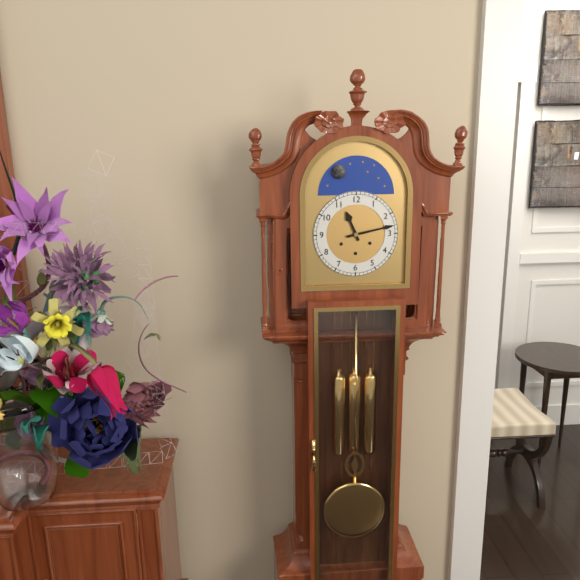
11:13
